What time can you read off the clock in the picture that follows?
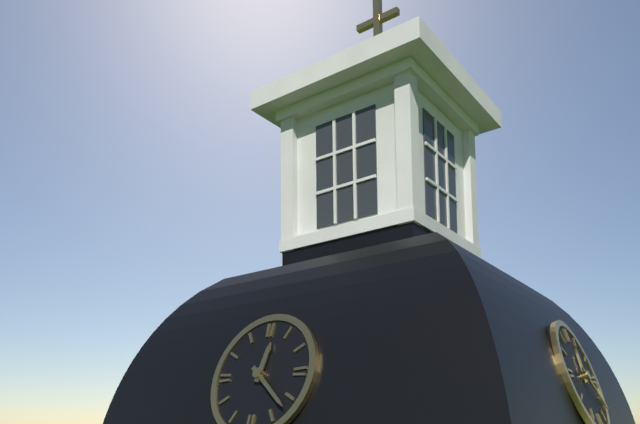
12:22
